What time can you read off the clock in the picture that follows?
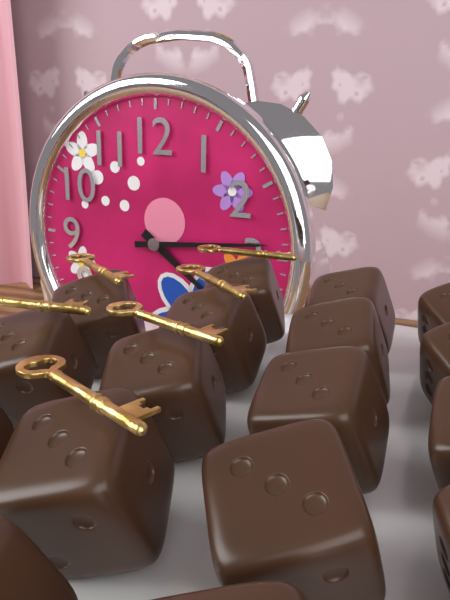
4:14
